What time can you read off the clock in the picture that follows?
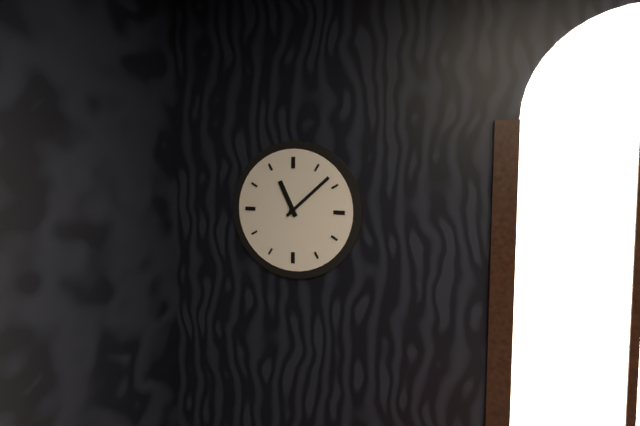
11:08
